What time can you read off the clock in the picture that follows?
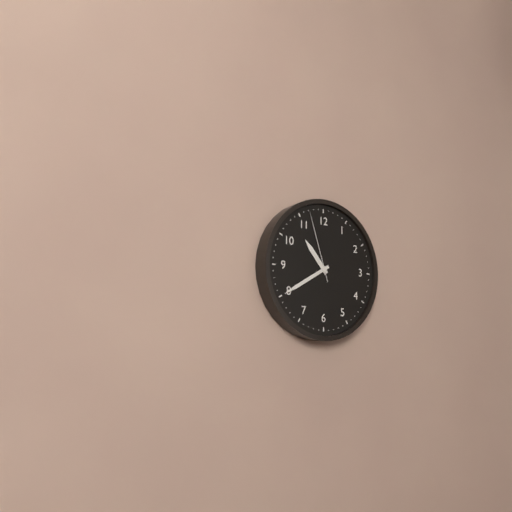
10:40:57
